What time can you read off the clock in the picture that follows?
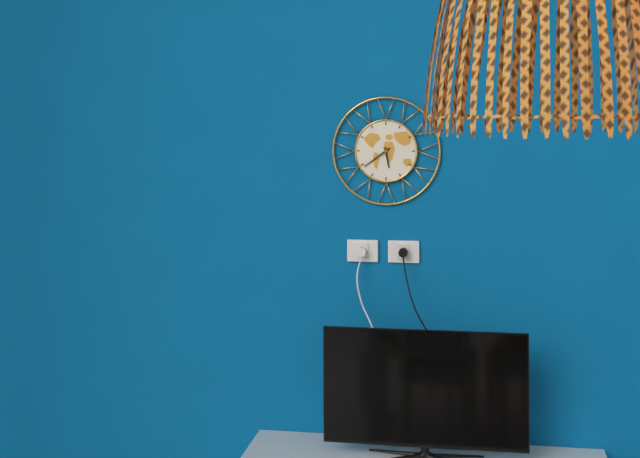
5:39
